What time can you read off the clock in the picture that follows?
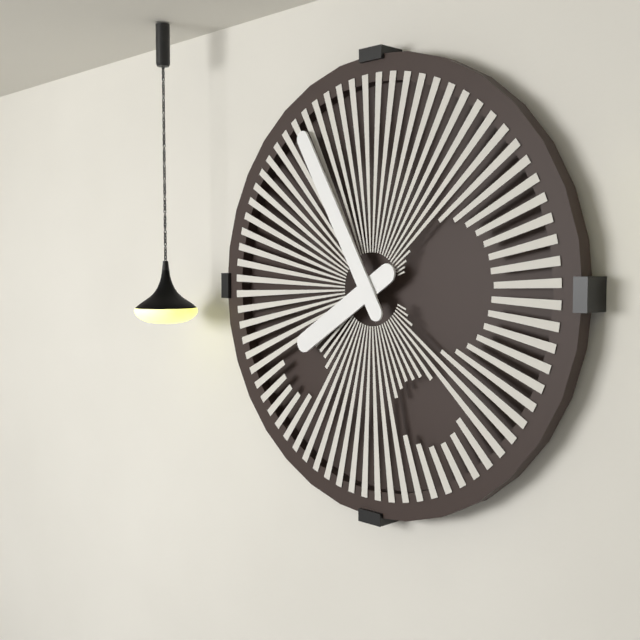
7:55
